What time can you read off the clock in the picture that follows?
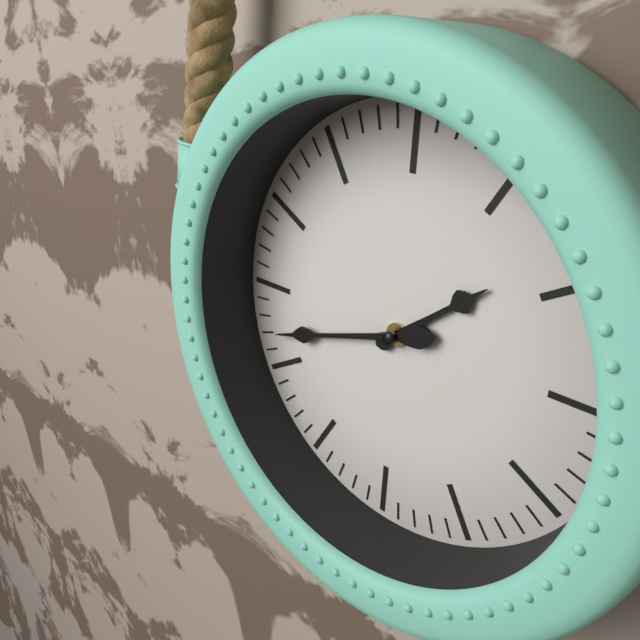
1:42
